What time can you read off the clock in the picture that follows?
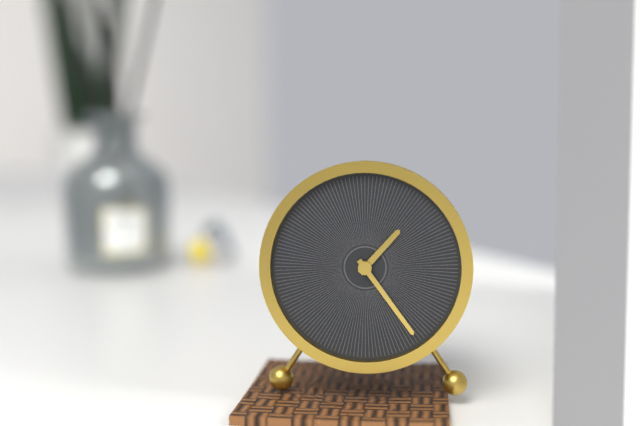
1:24
